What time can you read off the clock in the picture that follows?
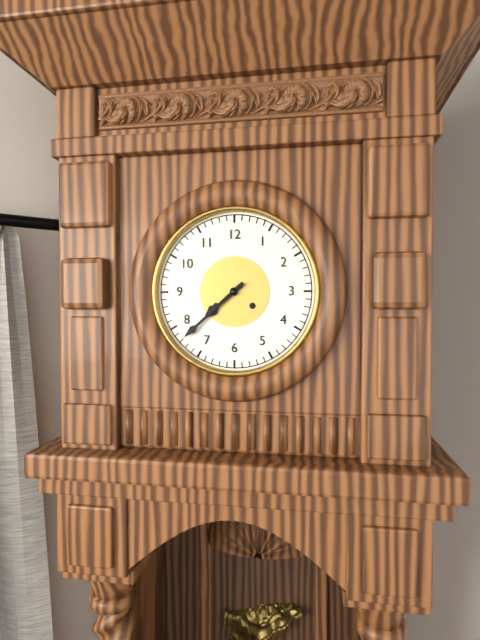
7:38
